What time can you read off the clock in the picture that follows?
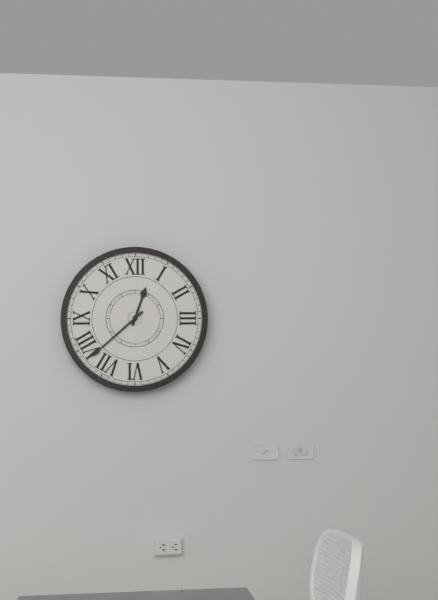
12:38
